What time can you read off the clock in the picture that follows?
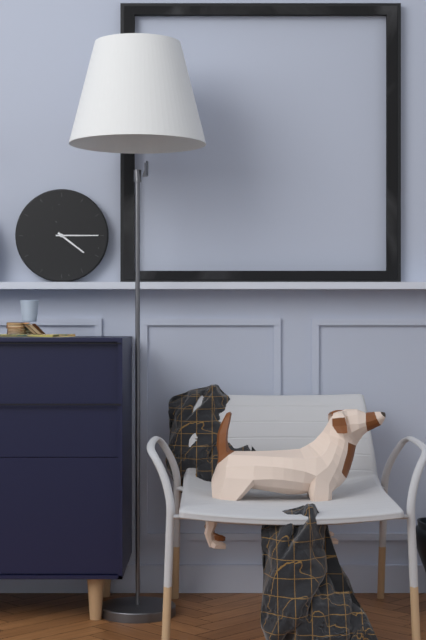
4:15
